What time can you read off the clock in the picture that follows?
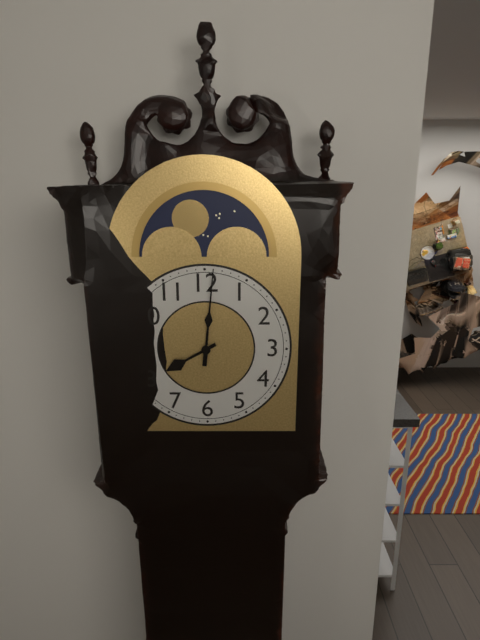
8:01
